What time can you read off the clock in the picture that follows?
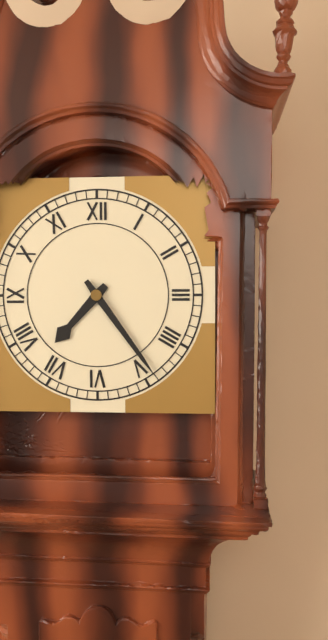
7:24
